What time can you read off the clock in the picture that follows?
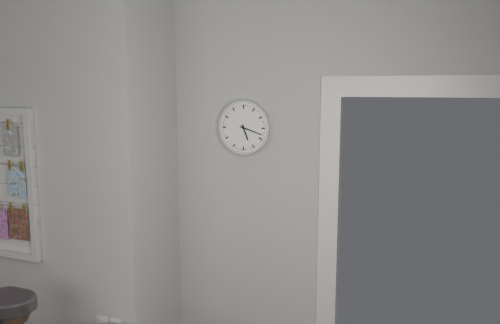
5:18
